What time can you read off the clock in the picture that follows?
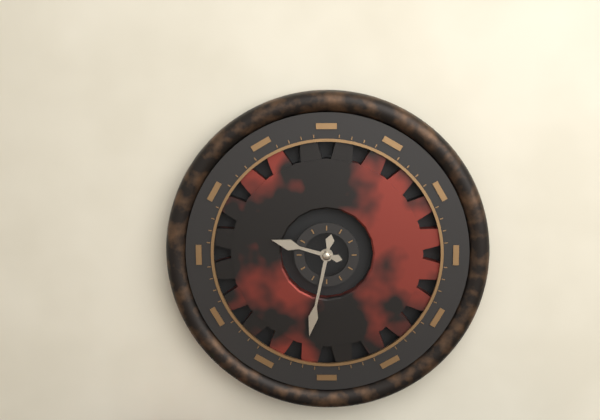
9:32
